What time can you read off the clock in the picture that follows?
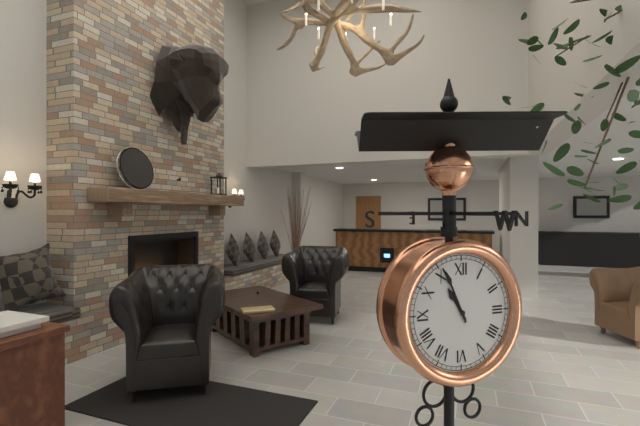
10:56
